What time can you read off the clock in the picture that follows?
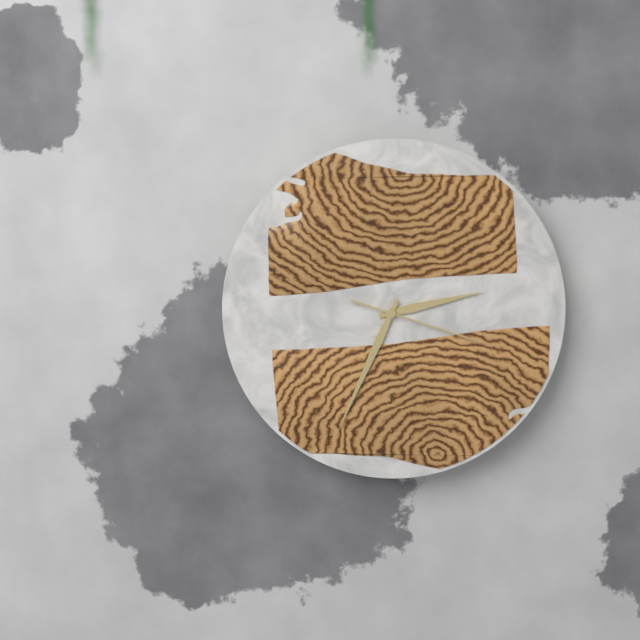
2:34:18
